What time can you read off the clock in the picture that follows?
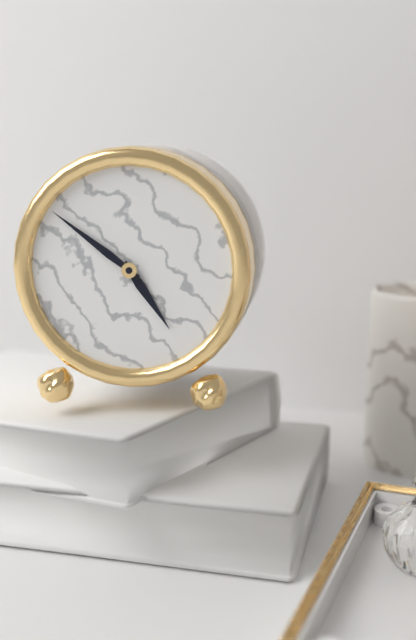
4:51
